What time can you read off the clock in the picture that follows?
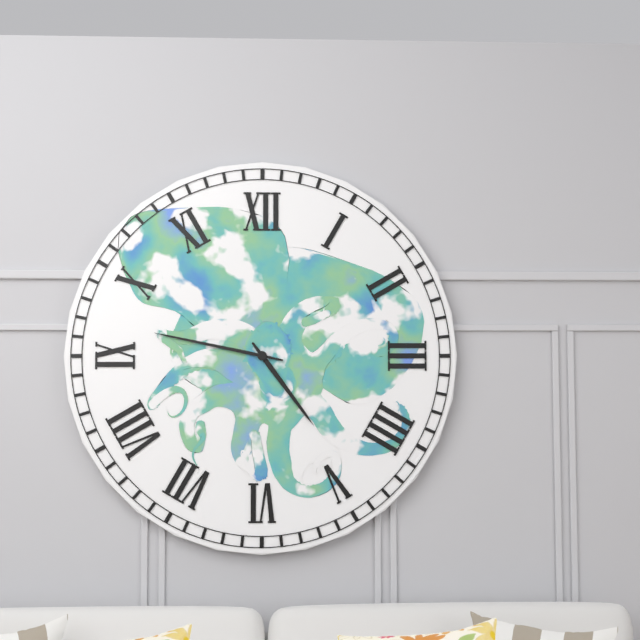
4:47
